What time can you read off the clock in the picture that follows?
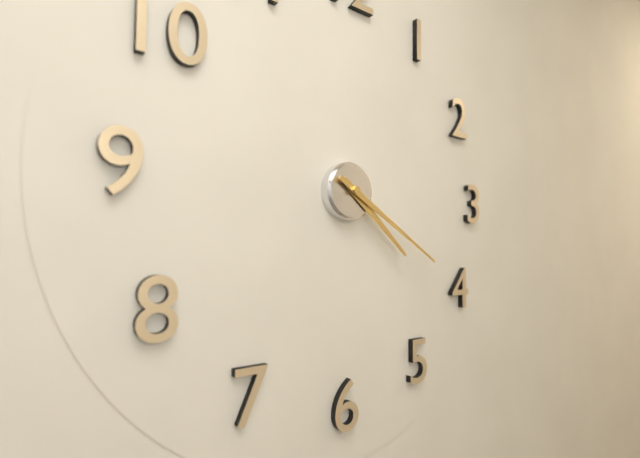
4:20
